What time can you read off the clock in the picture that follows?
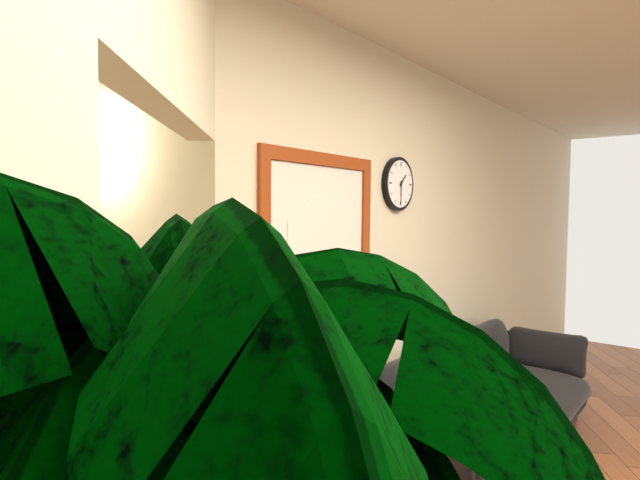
1:30
